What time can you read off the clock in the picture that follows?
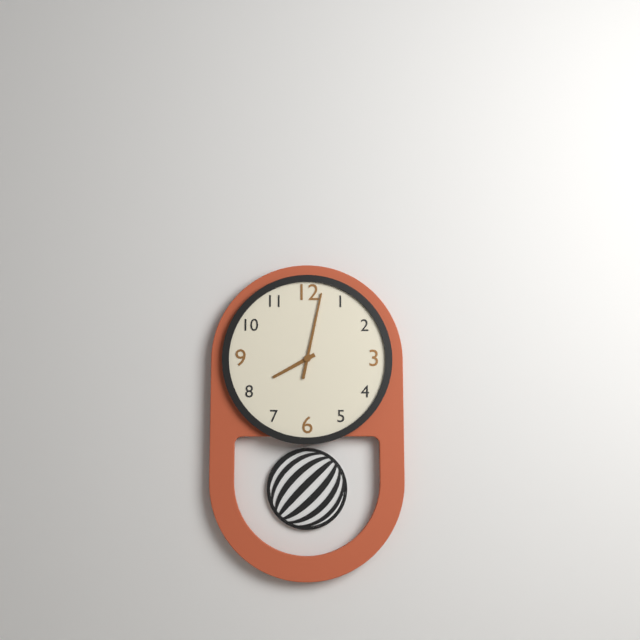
8:02
